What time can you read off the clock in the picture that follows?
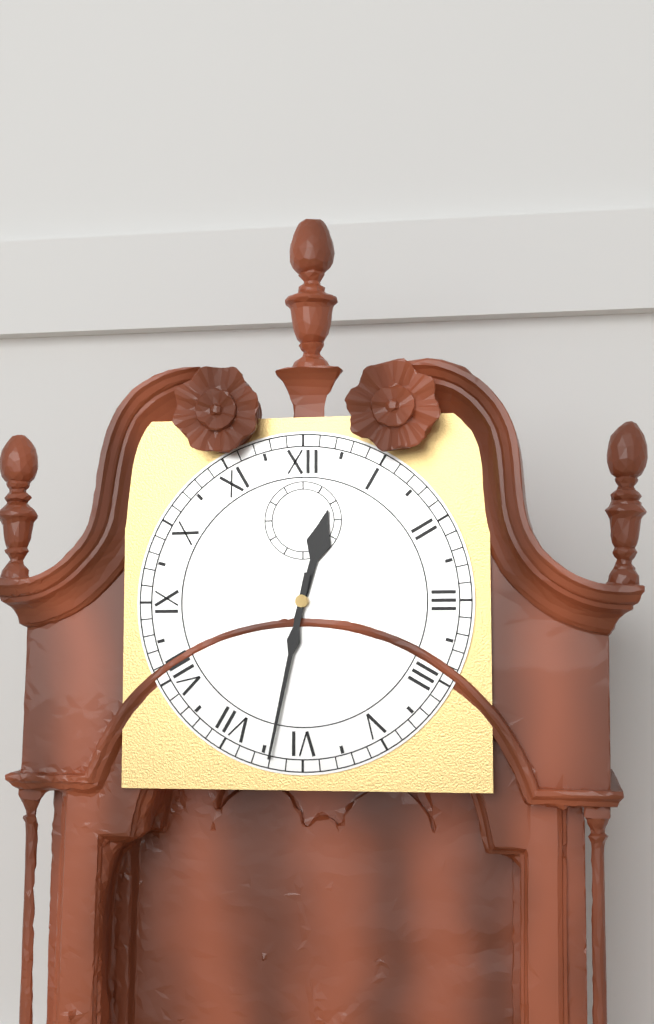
12:32
